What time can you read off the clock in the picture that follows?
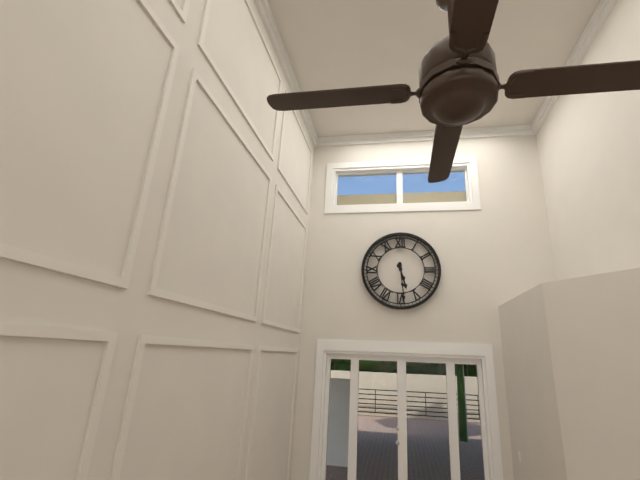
5:29
